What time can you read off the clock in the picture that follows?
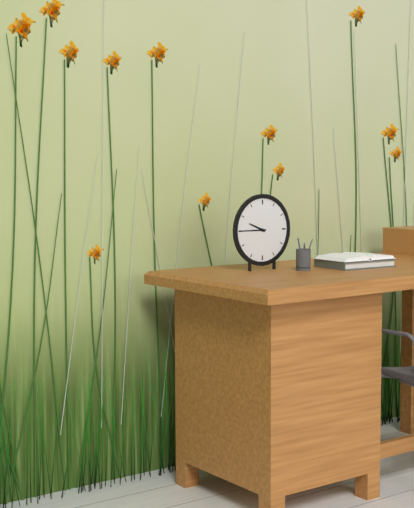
9:45
